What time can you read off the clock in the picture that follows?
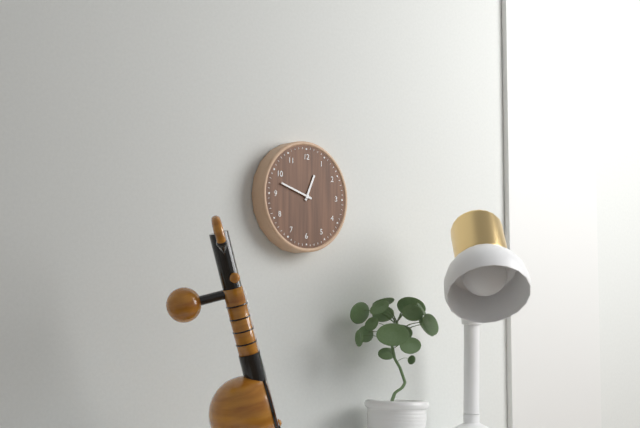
12:48
